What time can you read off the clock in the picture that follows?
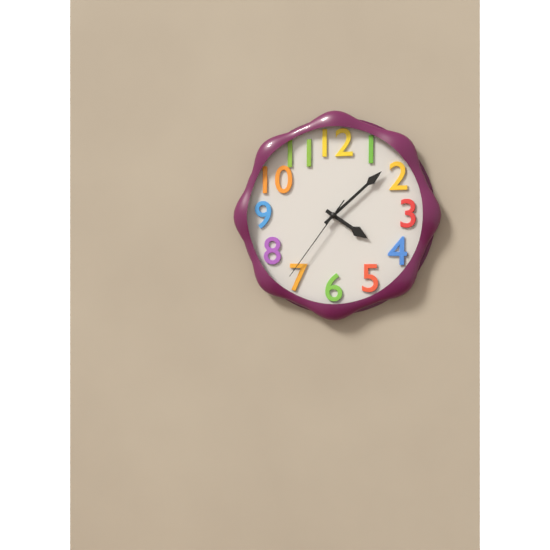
4:08:36
